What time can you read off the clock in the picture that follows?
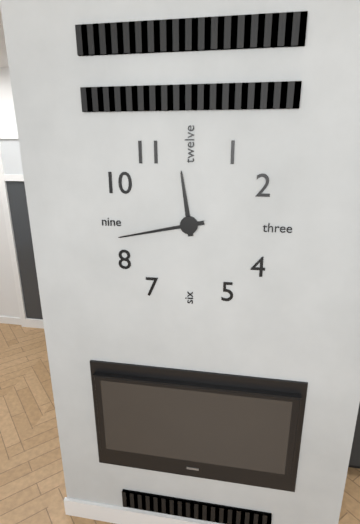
11:43
